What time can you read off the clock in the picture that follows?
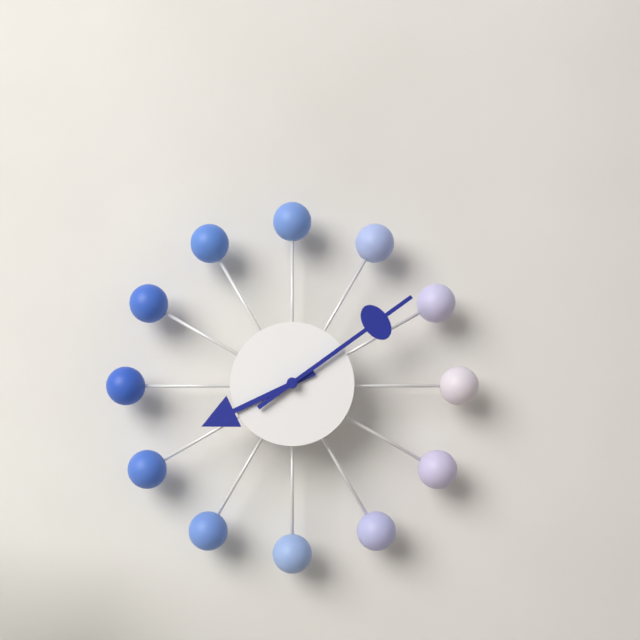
8:09
